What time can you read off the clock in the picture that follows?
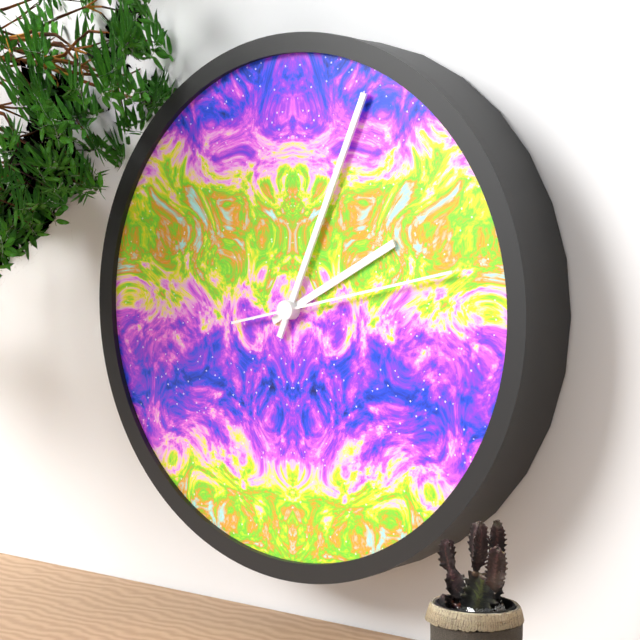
2:04:13
